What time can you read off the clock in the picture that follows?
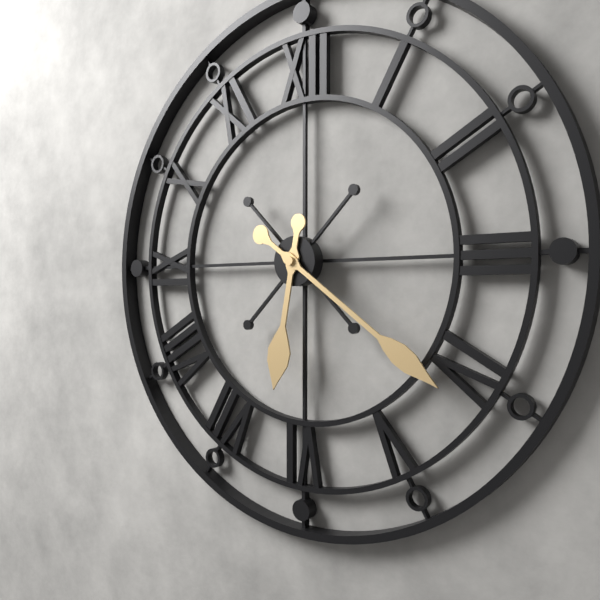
6:21
